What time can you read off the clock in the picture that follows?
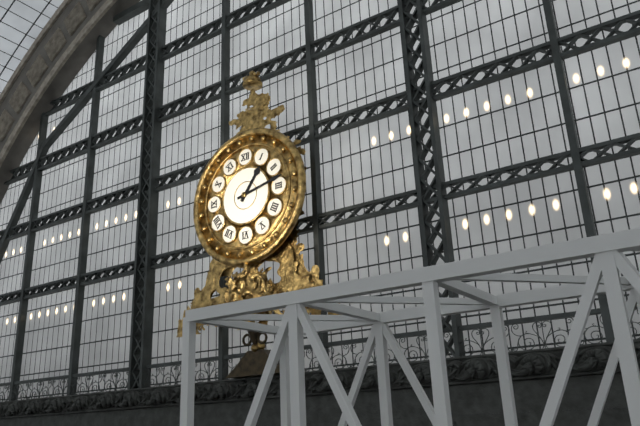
1:13
